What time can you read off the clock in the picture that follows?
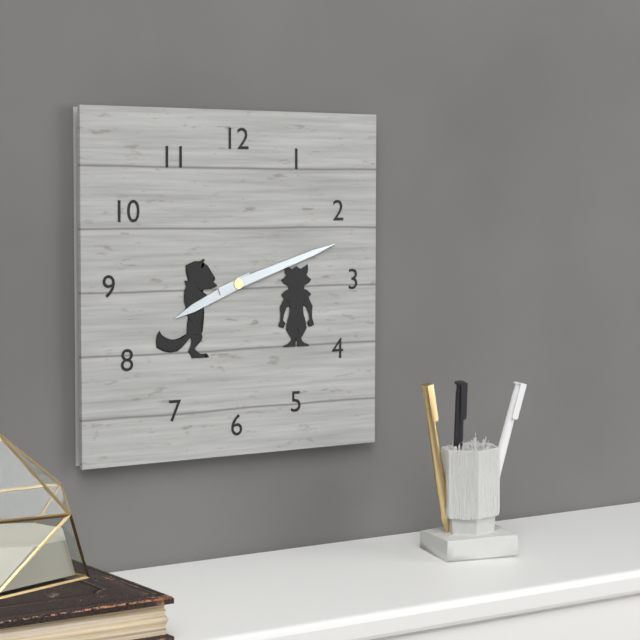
8:12
